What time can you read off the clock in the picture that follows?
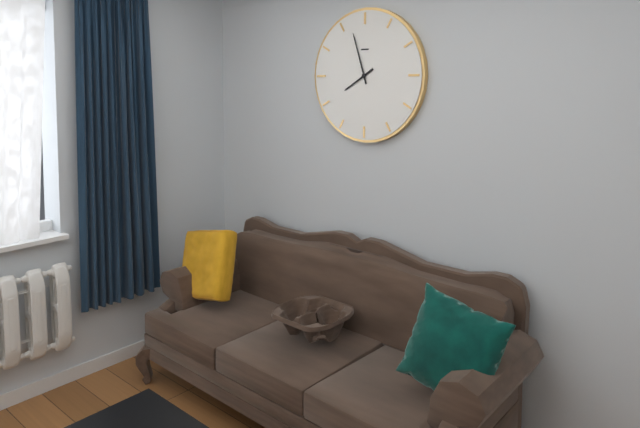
7:57
